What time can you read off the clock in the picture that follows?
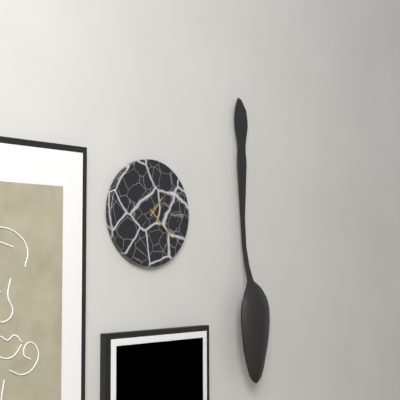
1:22
